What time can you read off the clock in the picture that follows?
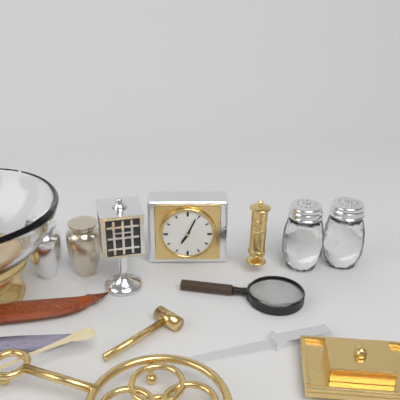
7:04
